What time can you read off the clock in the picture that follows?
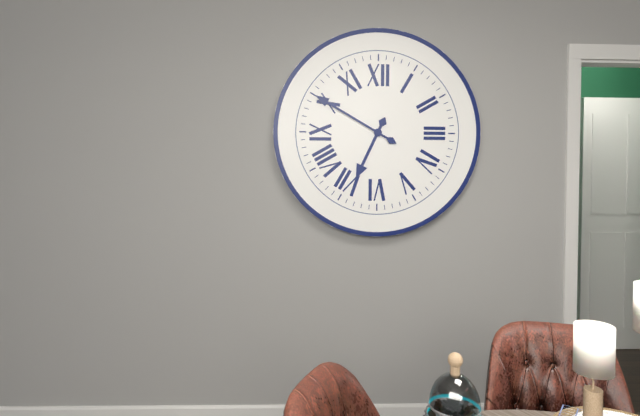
6:50
